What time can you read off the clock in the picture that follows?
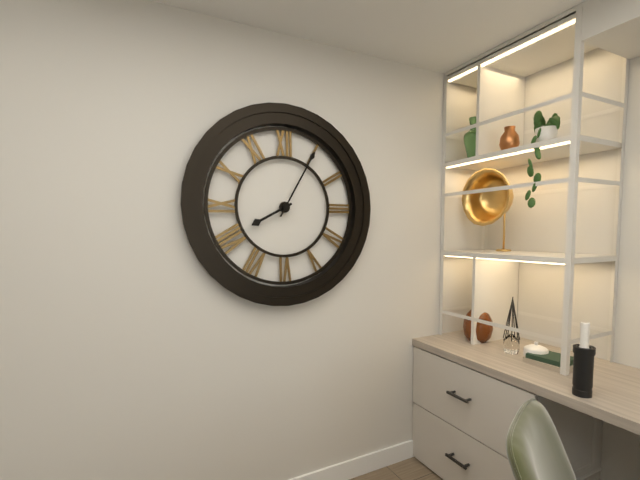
8:05
